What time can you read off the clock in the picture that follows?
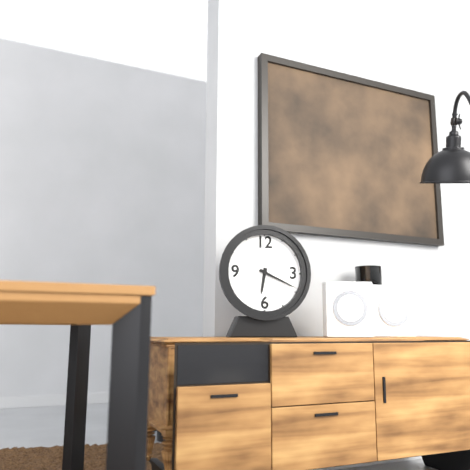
6:19
